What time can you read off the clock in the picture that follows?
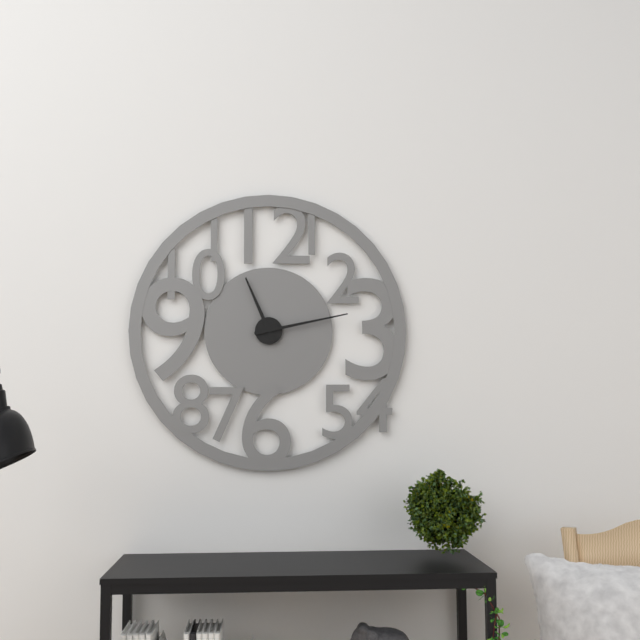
11:13
